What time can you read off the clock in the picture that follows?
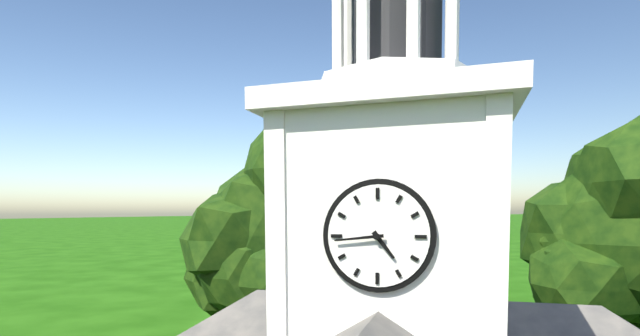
4:44
